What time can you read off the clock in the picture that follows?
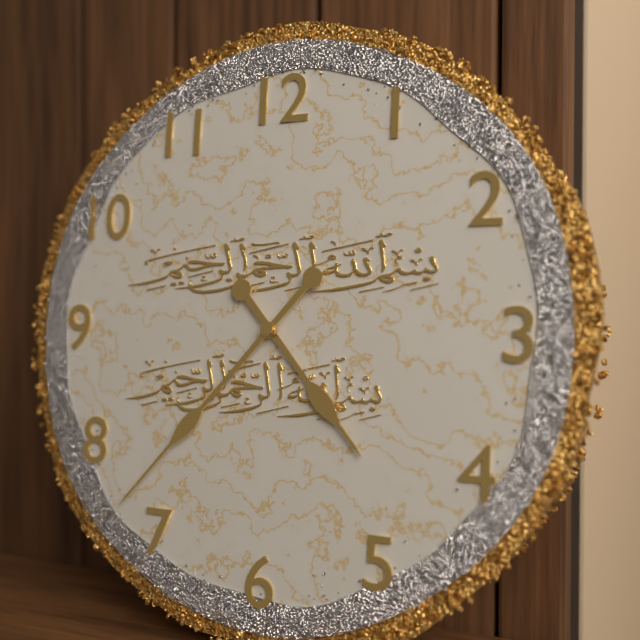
4:37
